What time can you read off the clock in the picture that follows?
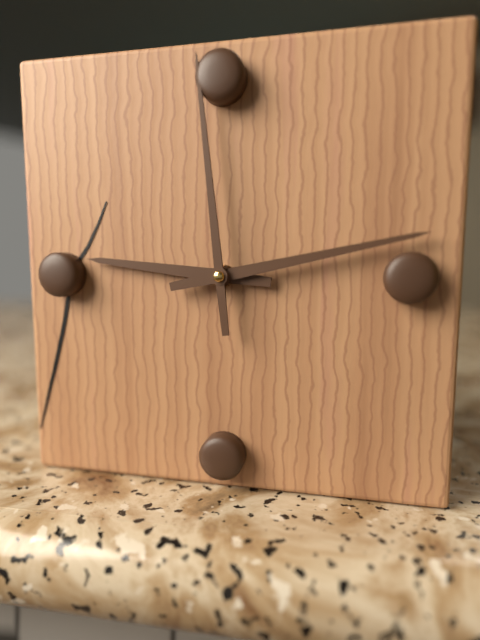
9:13:59
